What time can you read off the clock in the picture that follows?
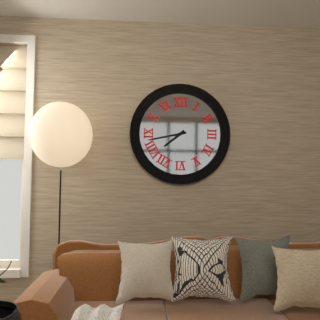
7:43
